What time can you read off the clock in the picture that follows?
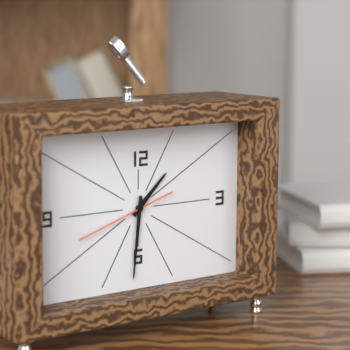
1:31:42
